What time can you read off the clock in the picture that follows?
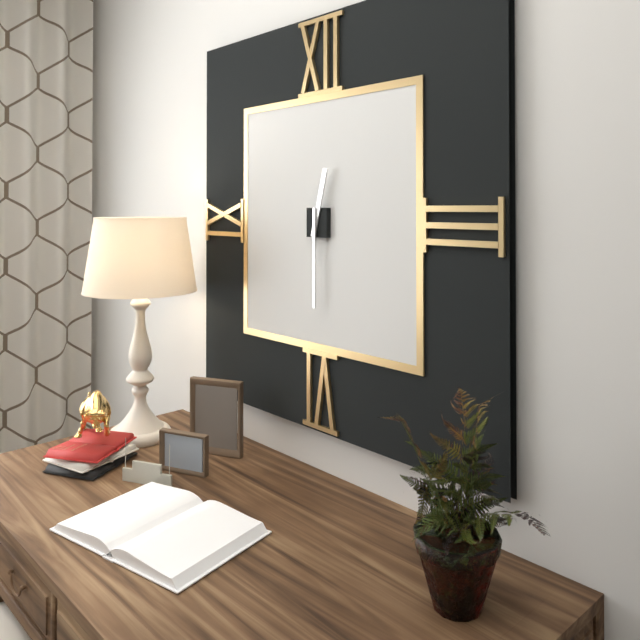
12:30
